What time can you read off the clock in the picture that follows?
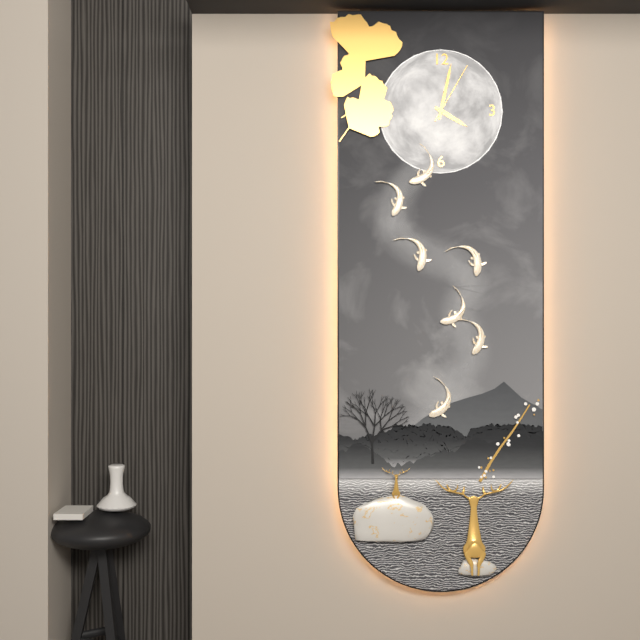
4:02:05
